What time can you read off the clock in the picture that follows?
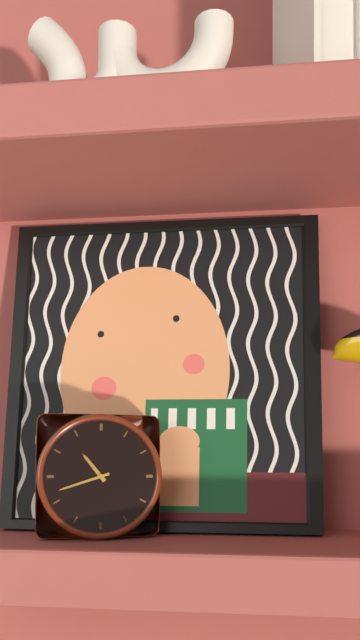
10:42
